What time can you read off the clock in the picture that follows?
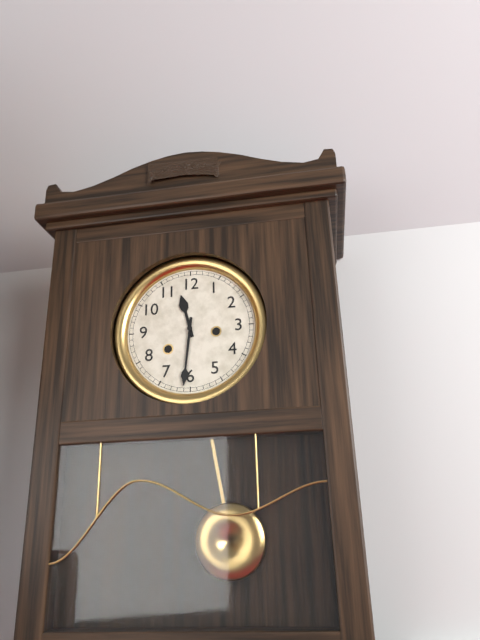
11:31
